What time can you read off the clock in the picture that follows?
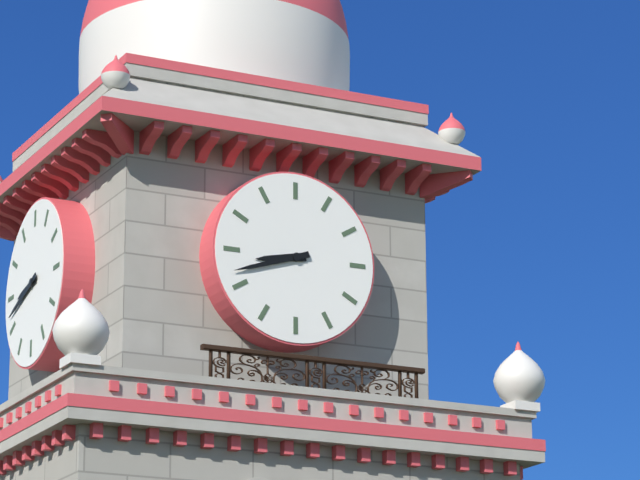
8:42
